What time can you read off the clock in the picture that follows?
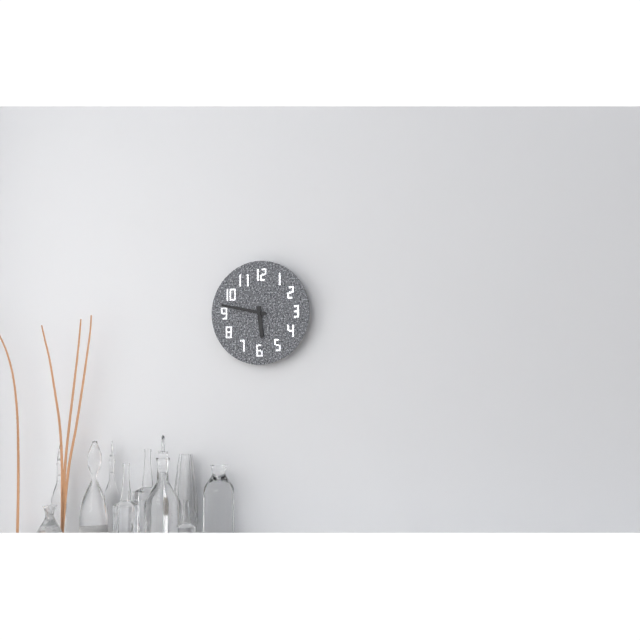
5:47
